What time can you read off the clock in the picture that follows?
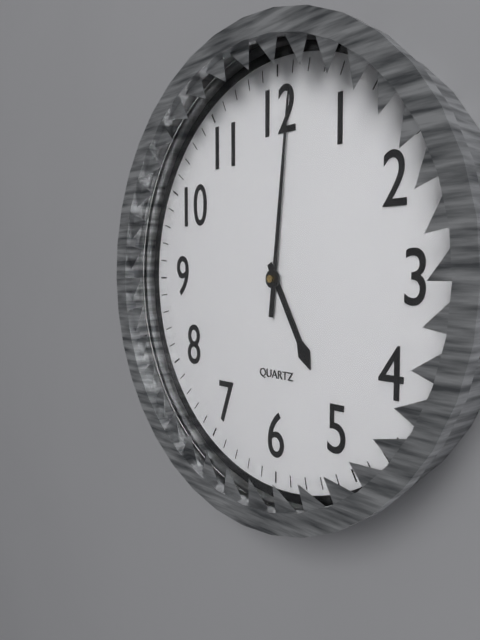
5:01
